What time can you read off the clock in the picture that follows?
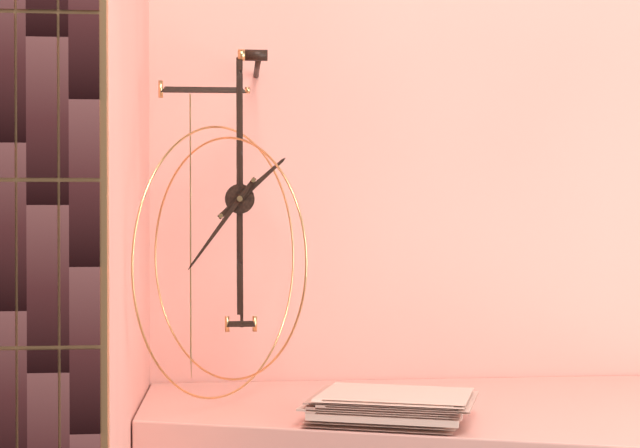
1:36
